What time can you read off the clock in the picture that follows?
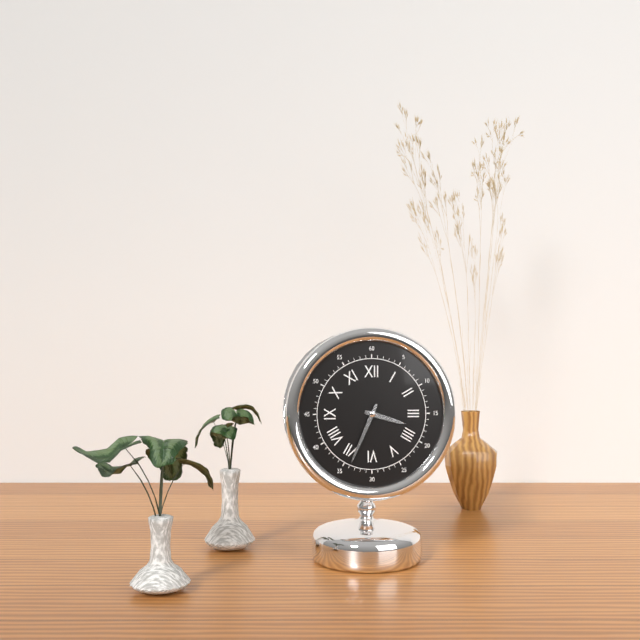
3:34
